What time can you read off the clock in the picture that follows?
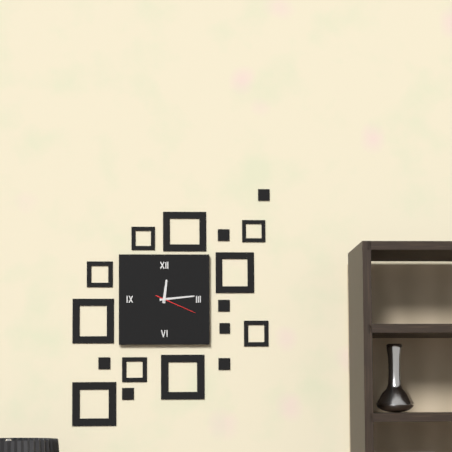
12:14
